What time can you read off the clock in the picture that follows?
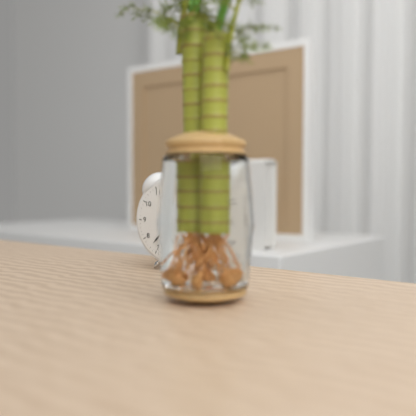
11:37
